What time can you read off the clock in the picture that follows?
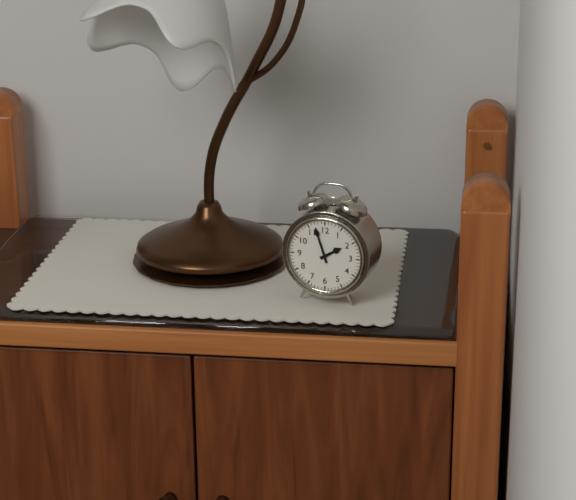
1:57
